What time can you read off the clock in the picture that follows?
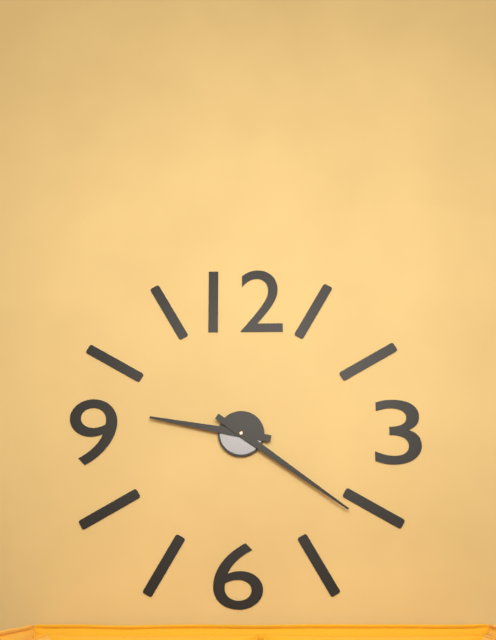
9:21
